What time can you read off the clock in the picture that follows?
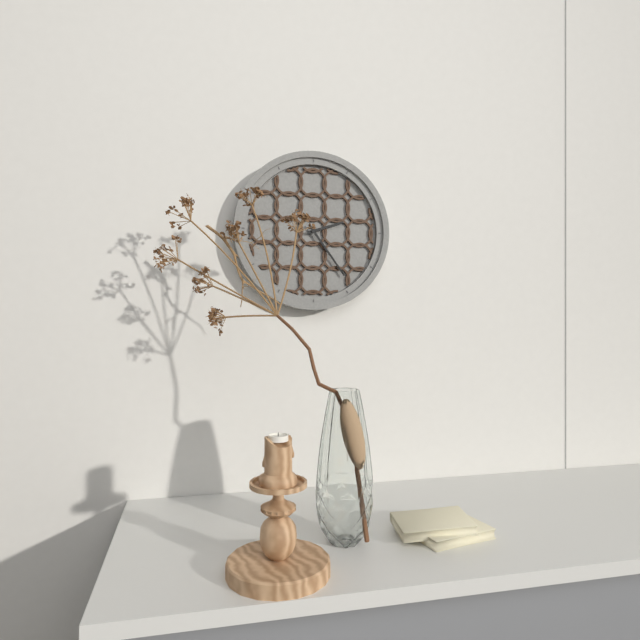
2:24
